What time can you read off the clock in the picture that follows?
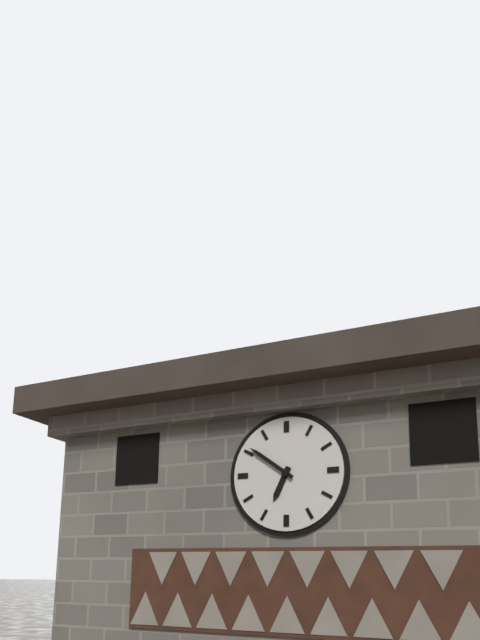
6:51
